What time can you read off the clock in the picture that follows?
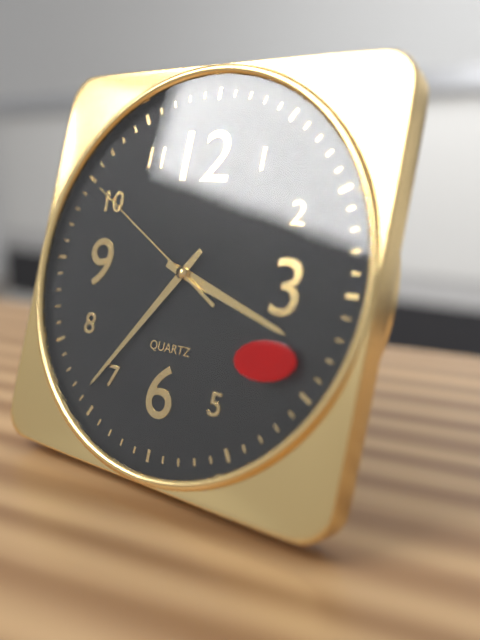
3:36:50
